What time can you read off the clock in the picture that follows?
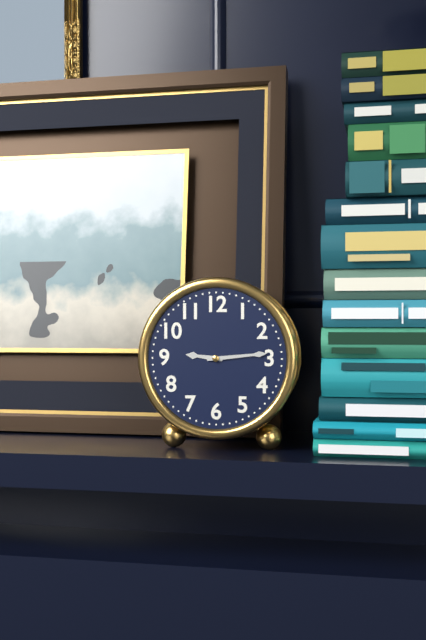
9:14
